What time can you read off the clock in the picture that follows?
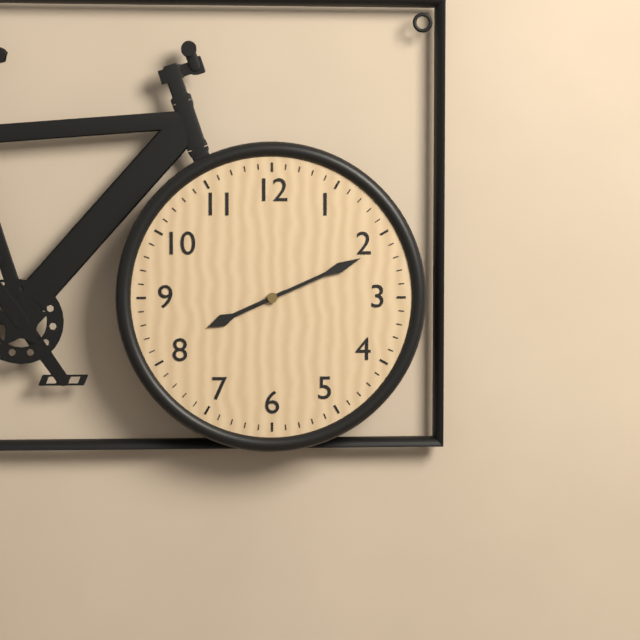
8:11
